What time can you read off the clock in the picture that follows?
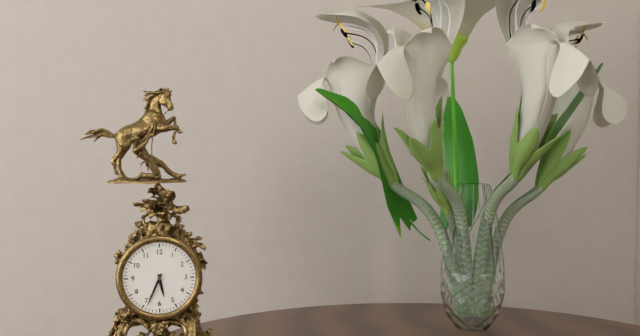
5:34
